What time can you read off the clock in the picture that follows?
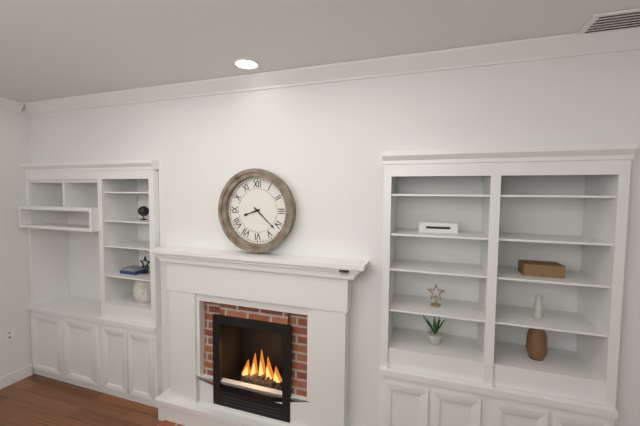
8:22
